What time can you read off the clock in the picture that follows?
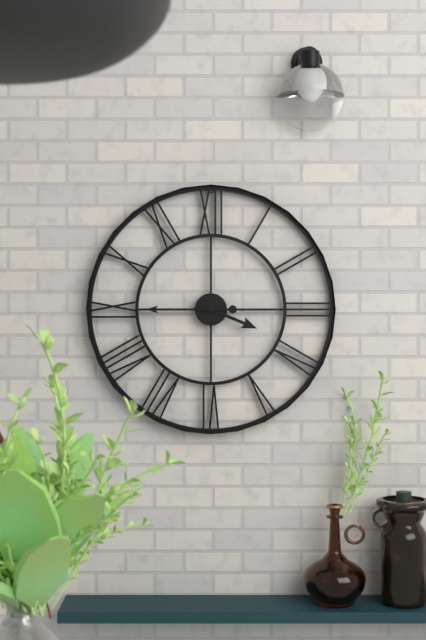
3:45
